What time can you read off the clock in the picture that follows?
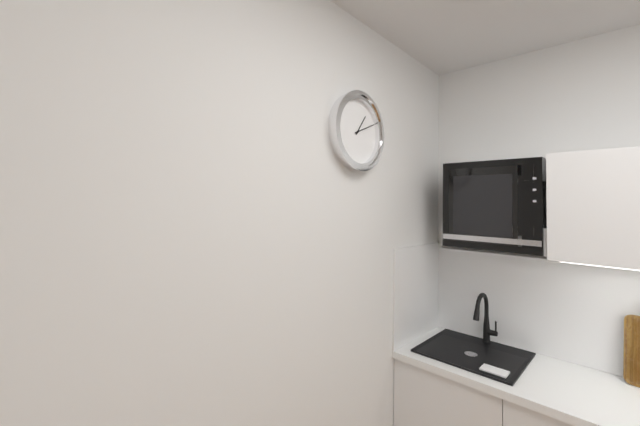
1:11
